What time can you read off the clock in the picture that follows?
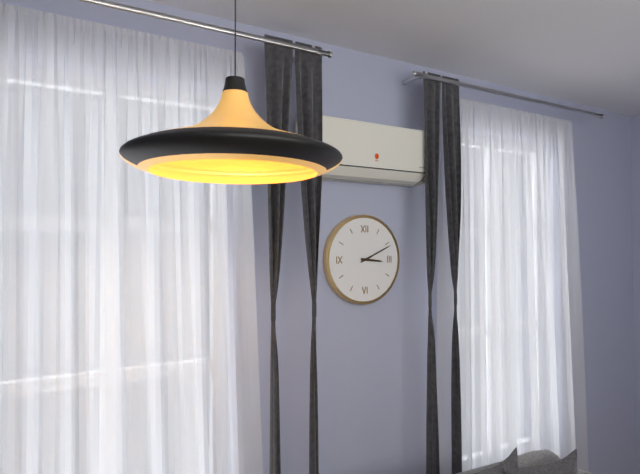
3:11
